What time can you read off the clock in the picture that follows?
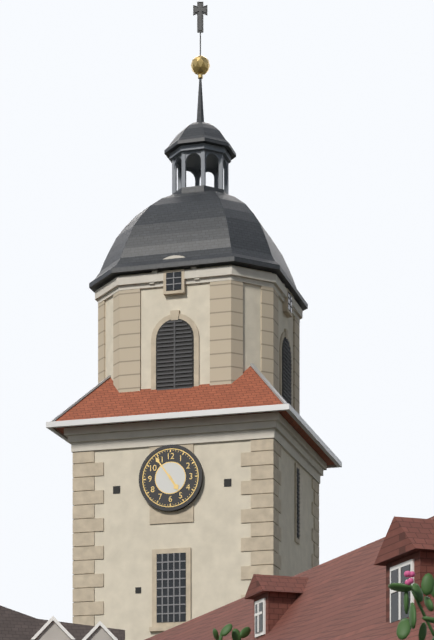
4:54
